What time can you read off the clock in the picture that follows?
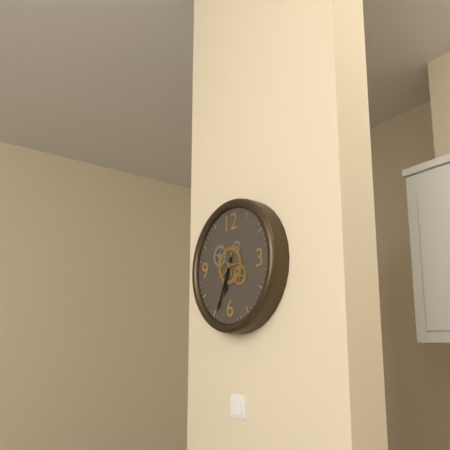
6:34
